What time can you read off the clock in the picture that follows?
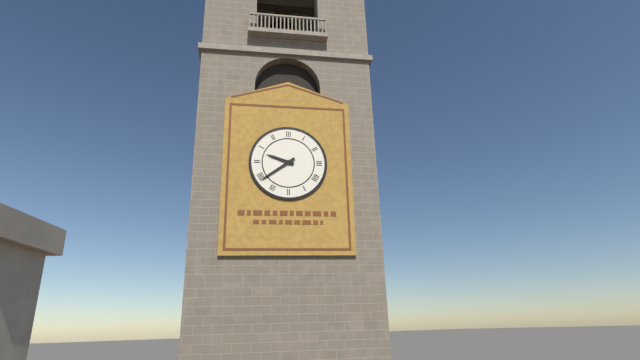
9:39
